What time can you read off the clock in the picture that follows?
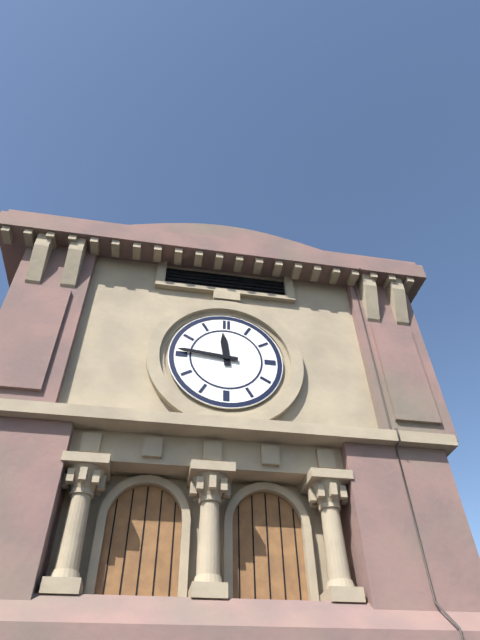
11:46
